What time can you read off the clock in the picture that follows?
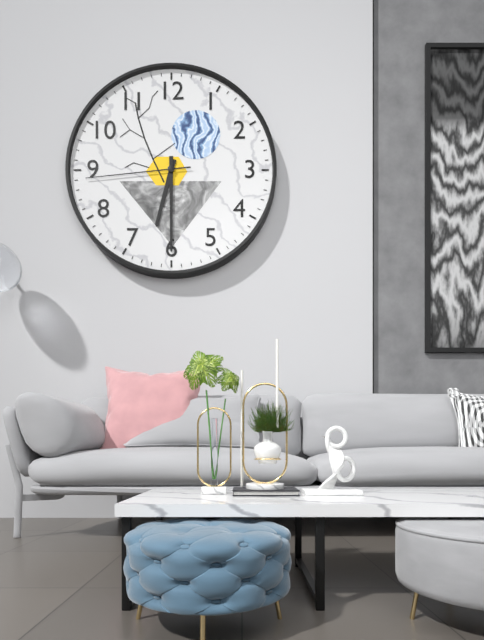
6:30:44
